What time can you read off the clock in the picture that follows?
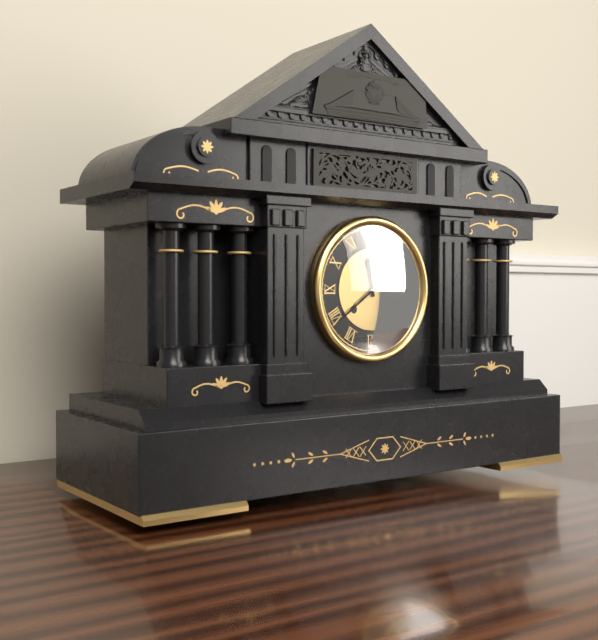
11:39
